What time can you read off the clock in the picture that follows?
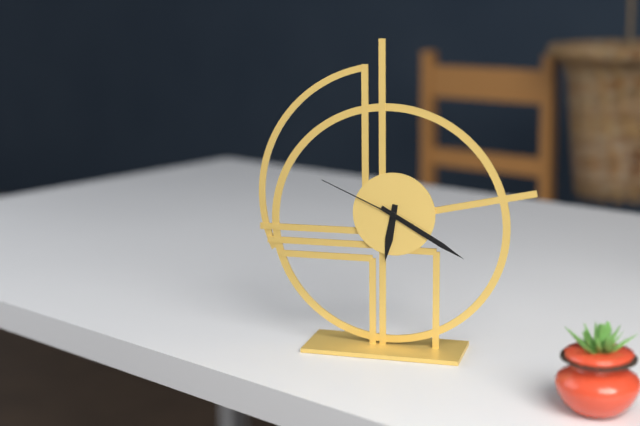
6:20:49
